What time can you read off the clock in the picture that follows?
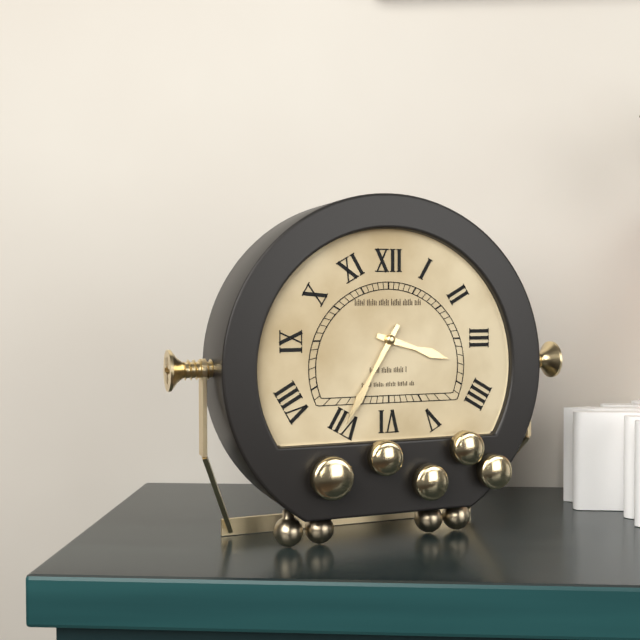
3:35
